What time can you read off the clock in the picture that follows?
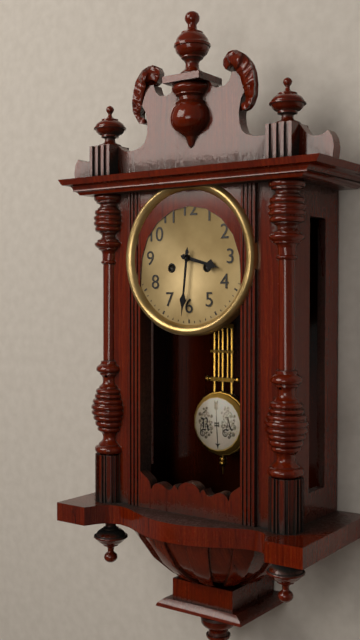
3:31
